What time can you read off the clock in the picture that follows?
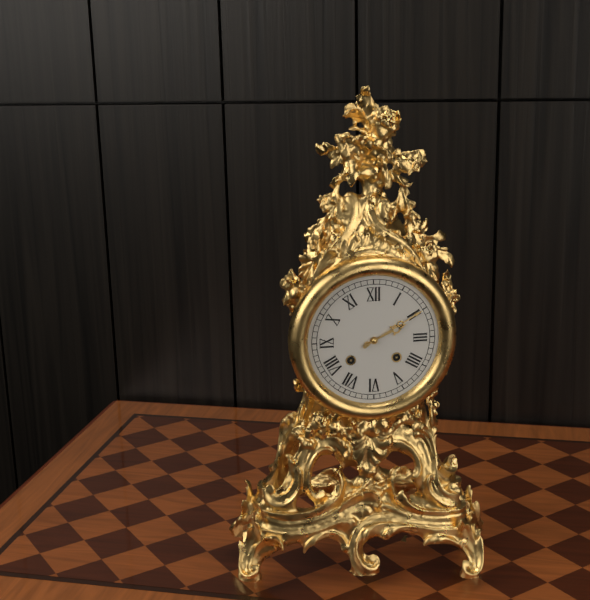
2:10
